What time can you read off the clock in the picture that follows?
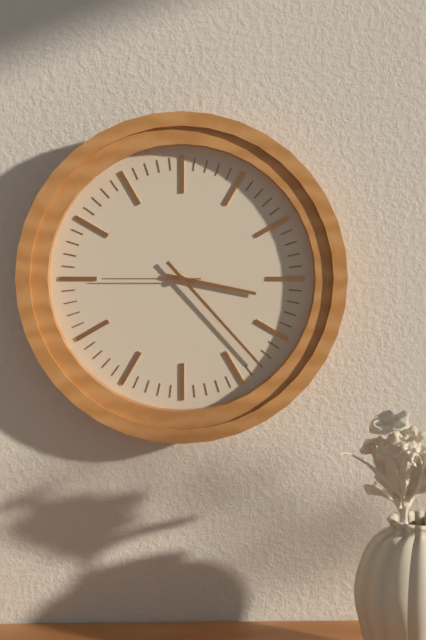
3:23:45
